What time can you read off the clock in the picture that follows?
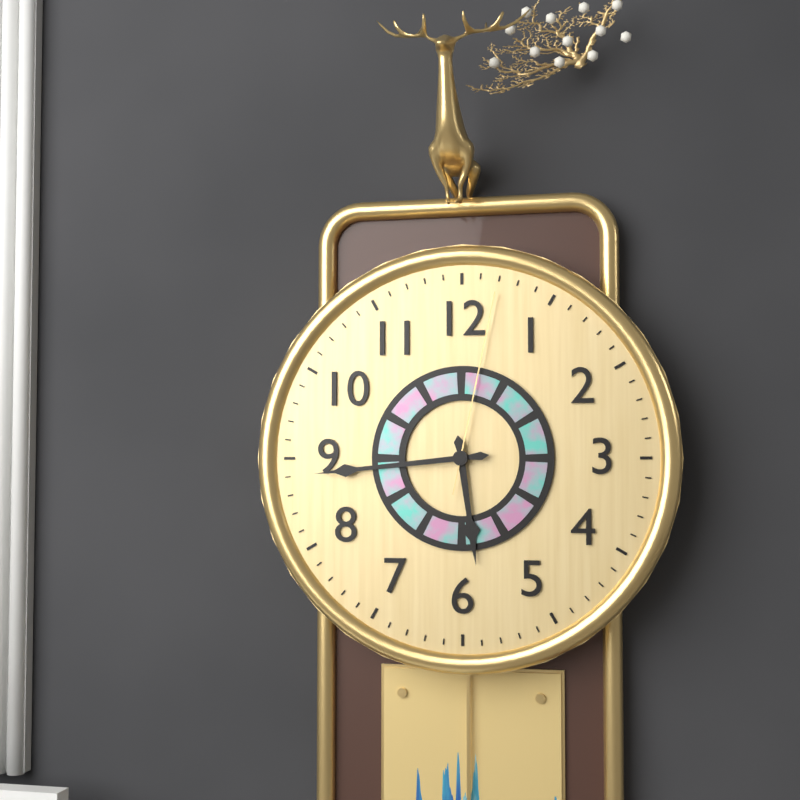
5:44:02
